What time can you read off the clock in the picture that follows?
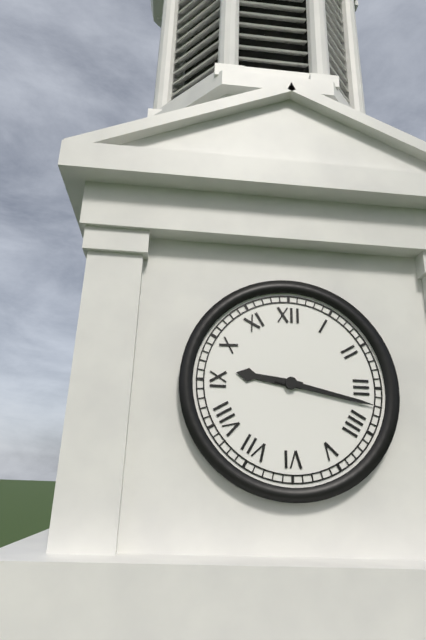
9:17
